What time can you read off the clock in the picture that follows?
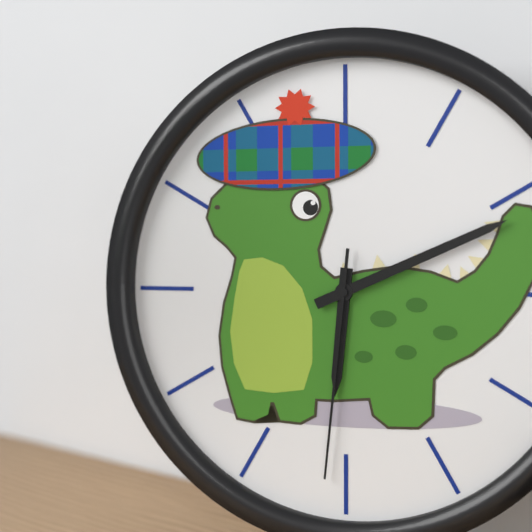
6:11:31
